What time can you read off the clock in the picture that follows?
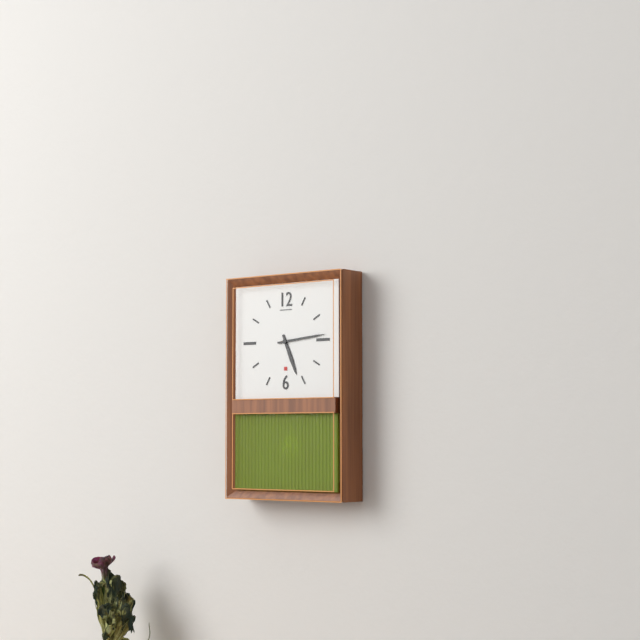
5:14
